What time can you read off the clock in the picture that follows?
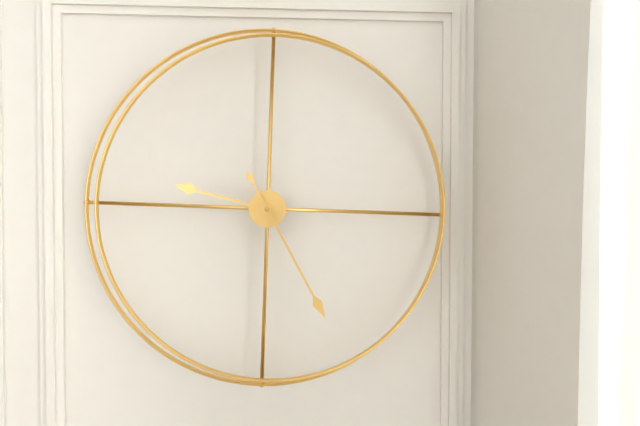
9:25
